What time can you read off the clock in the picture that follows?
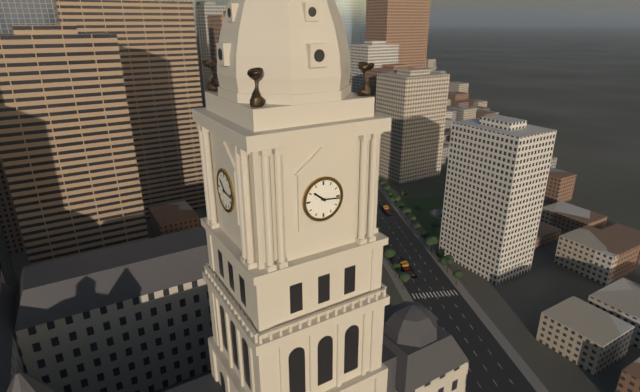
10:16
